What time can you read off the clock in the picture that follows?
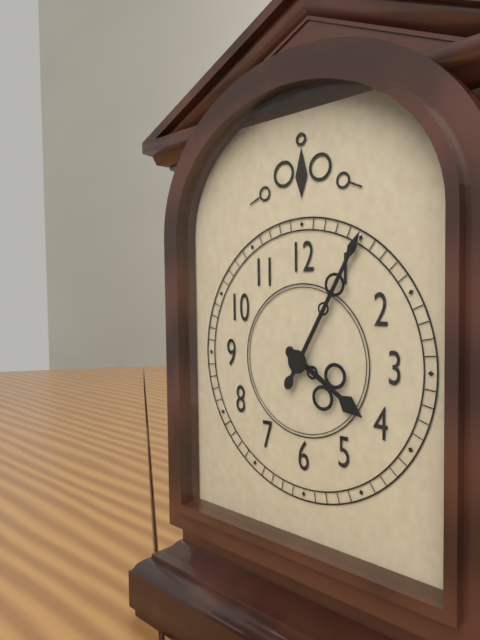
4:05
